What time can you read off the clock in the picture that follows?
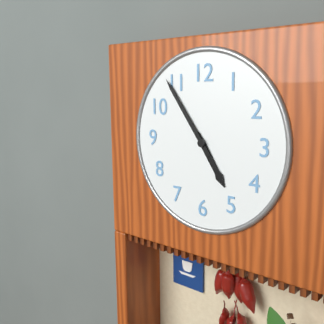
4:54
